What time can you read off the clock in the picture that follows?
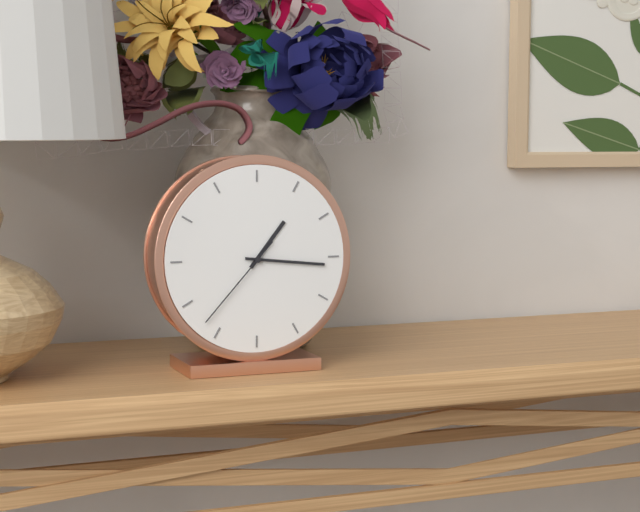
1:16:37
